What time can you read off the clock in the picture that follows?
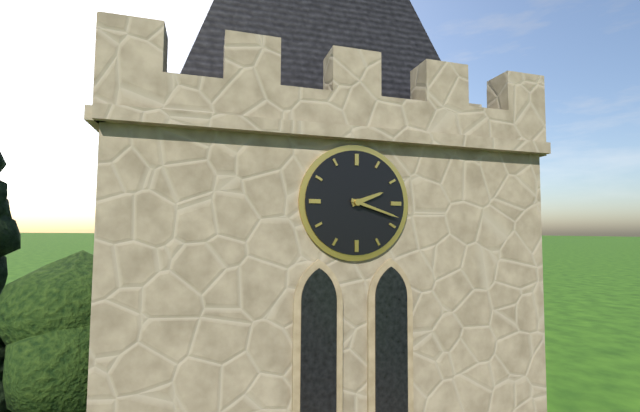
2:18
